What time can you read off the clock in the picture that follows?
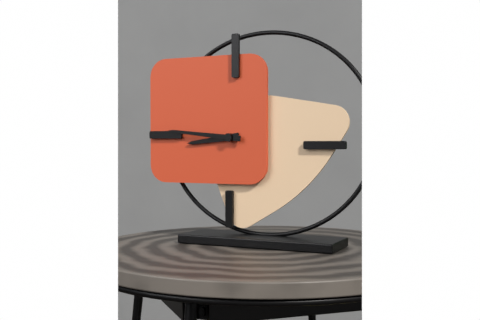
8:46
